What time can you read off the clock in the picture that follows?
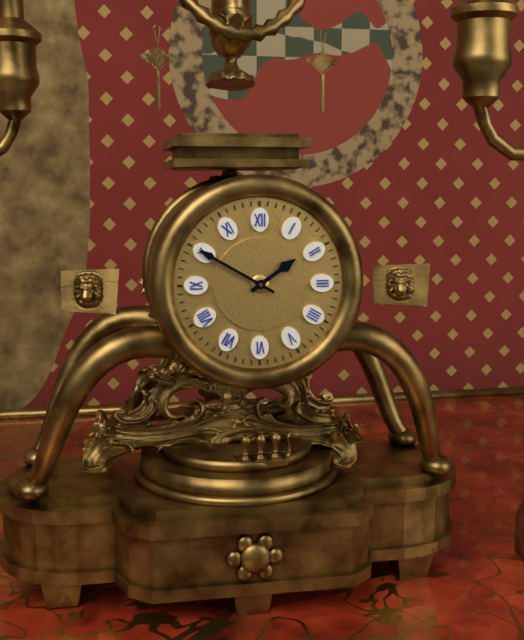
1:50
